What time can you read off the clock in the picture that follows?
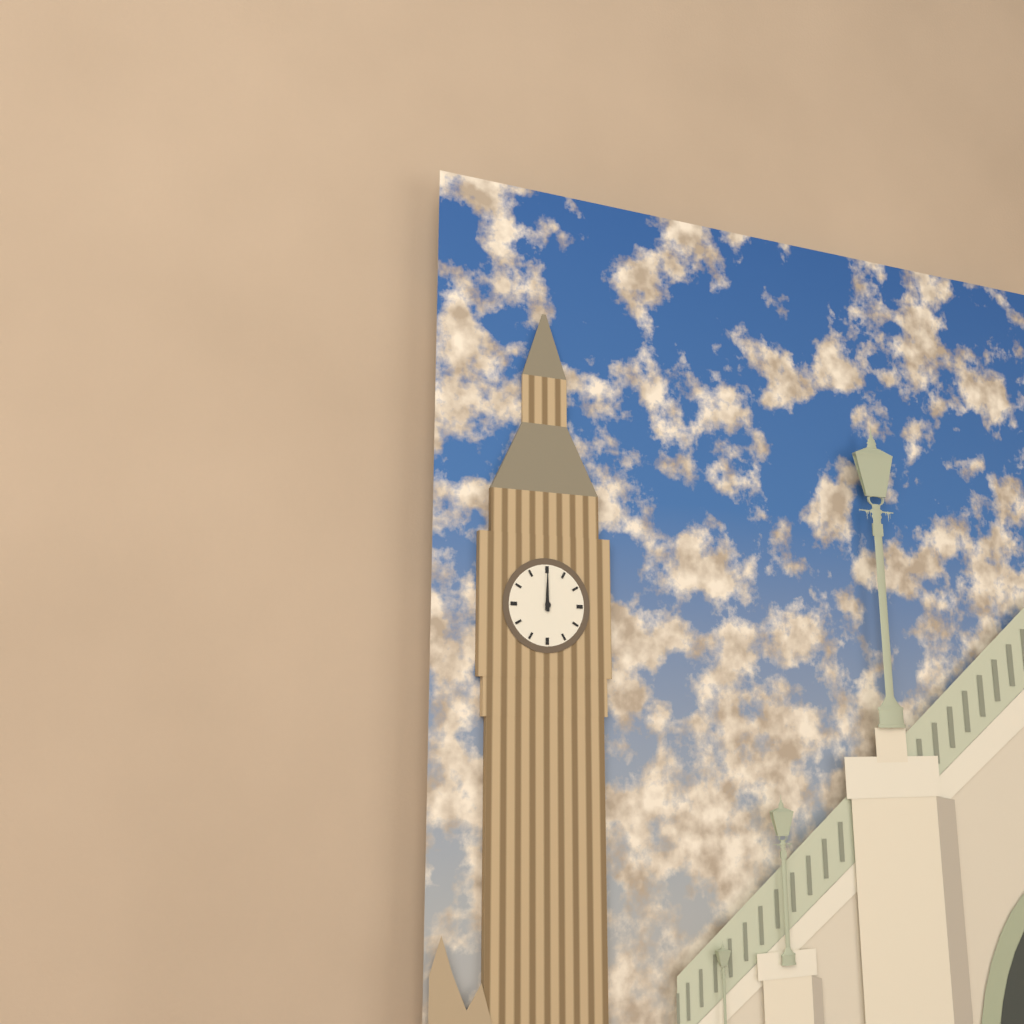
12:00
